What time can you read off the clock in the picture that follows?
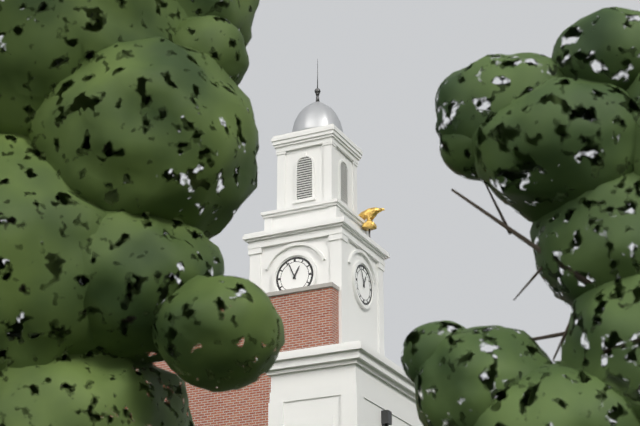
12:56
